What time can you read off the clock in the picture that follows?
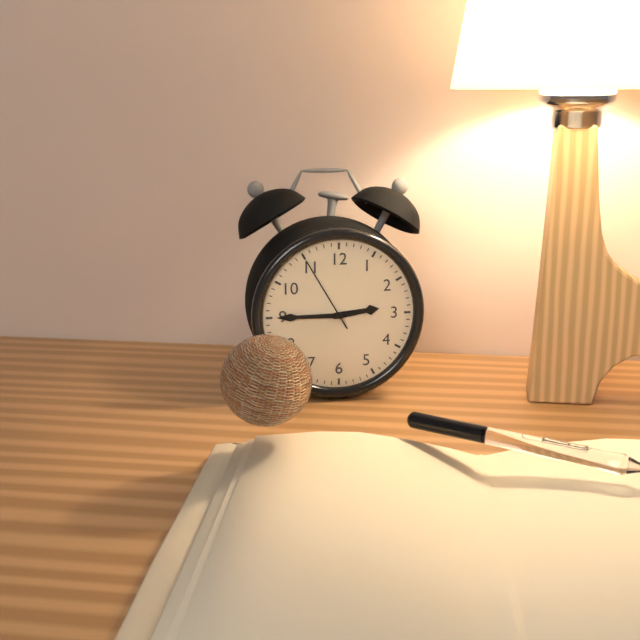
2:45:55
